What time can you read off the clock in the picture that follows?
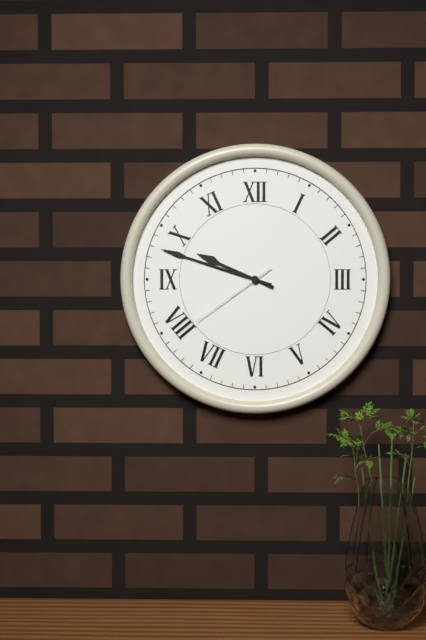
9:48:39
